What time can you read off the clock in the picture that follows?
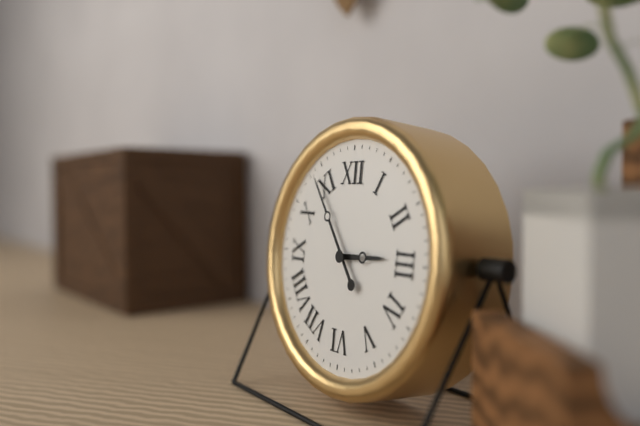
2:54
